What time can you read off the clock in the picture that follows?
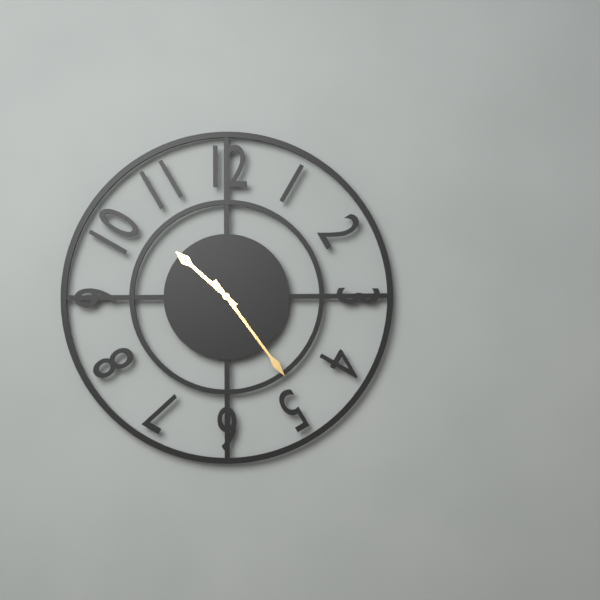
10:24
